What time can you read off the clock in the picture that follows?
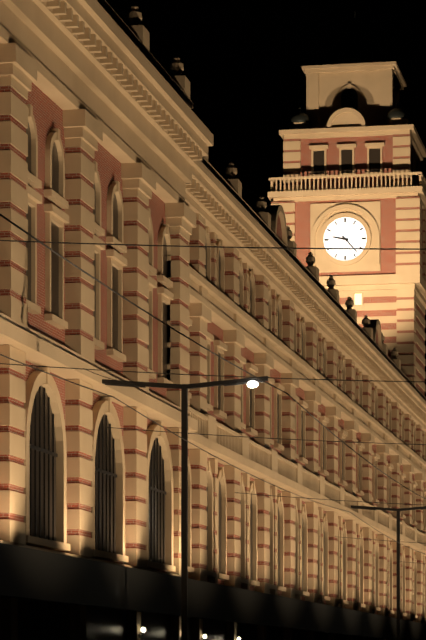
9:23
